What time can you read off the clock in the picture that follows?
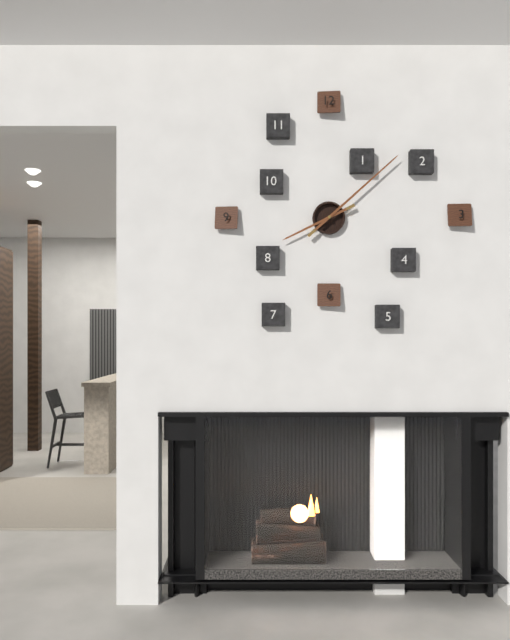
8:08
